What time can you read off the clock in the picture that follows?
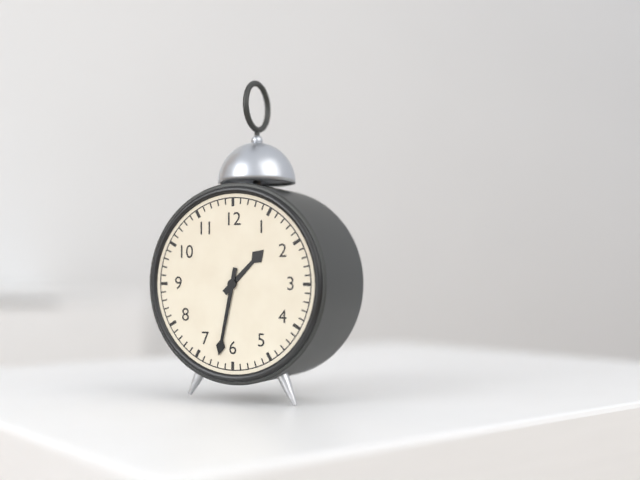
1:32
